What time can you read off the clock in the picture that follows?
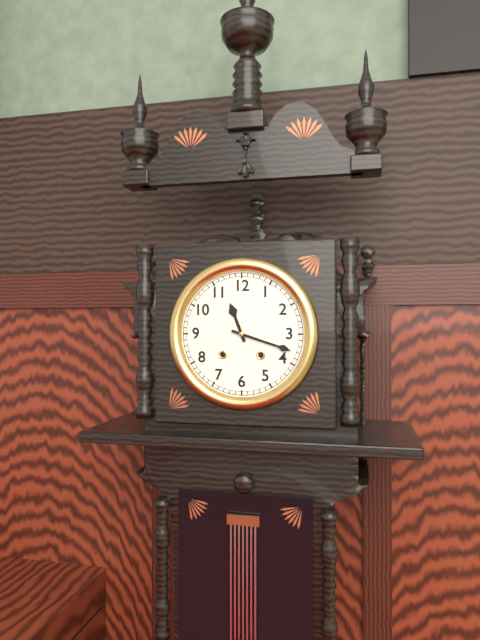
11:18
